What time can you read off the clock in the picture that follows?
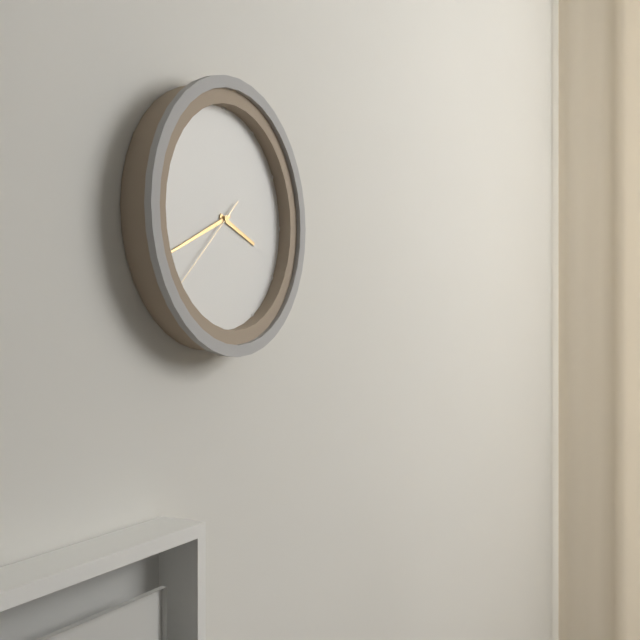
3:41:38
